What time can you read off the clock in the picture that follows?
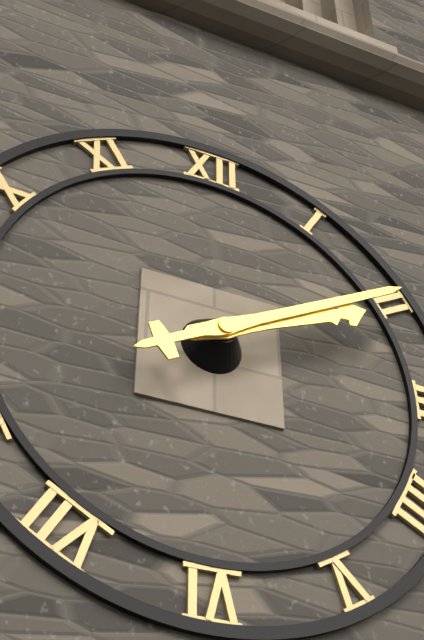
2:10
